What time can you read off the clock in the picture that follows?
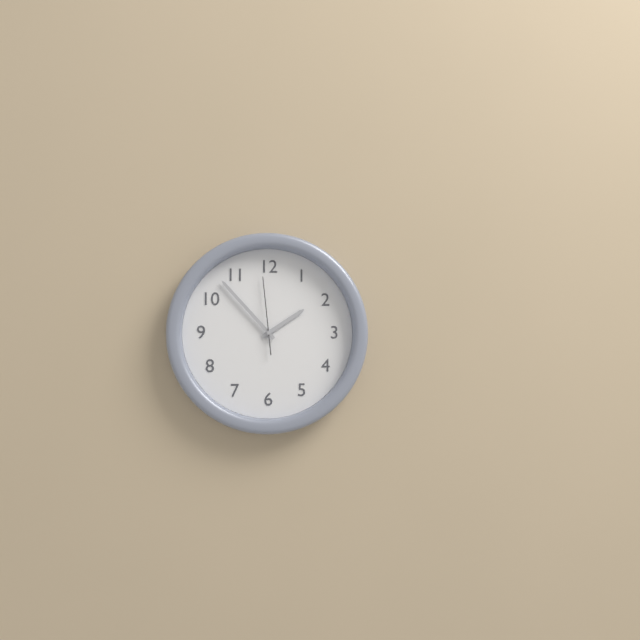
1:53:59
